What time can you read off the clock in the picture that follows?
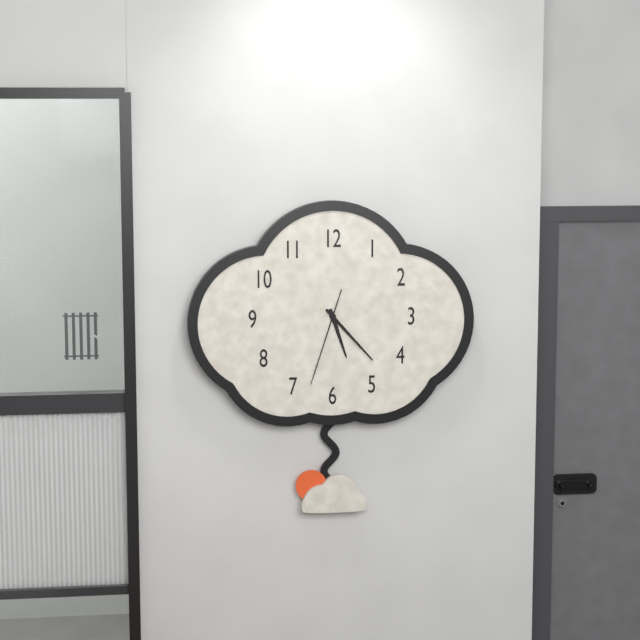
5:23:33
